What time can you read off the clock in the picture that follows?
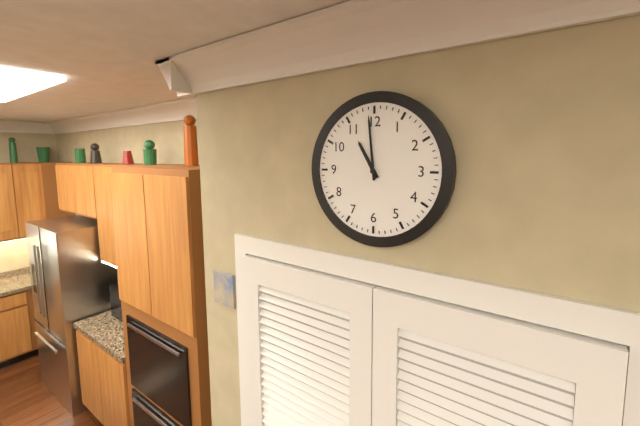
10:59
